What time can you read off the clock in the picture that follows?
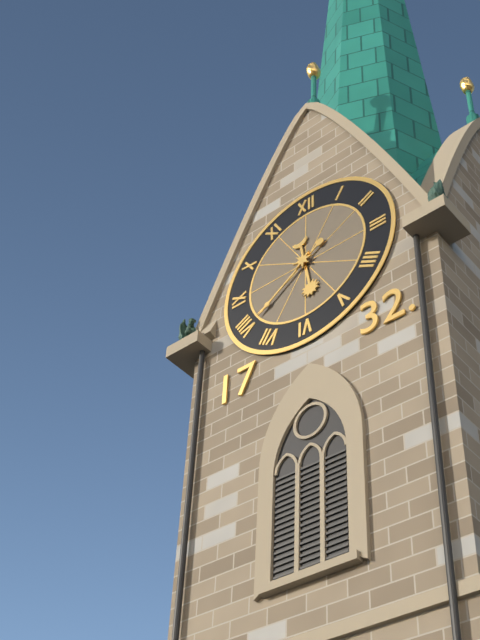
5:39
